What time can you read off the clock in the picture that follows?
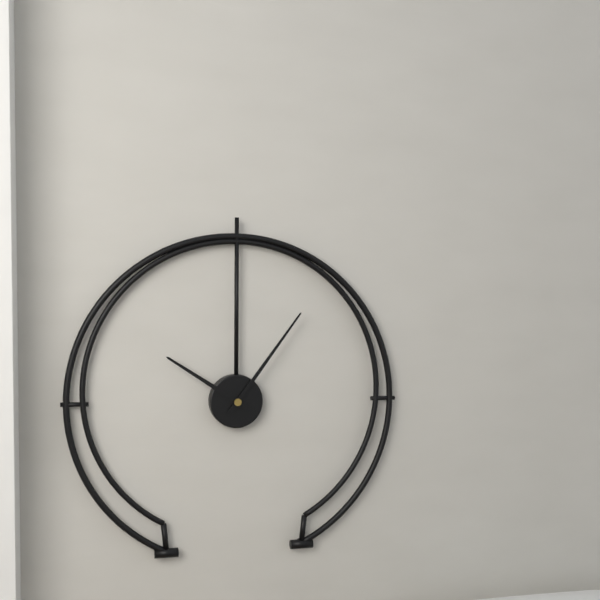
10:06
